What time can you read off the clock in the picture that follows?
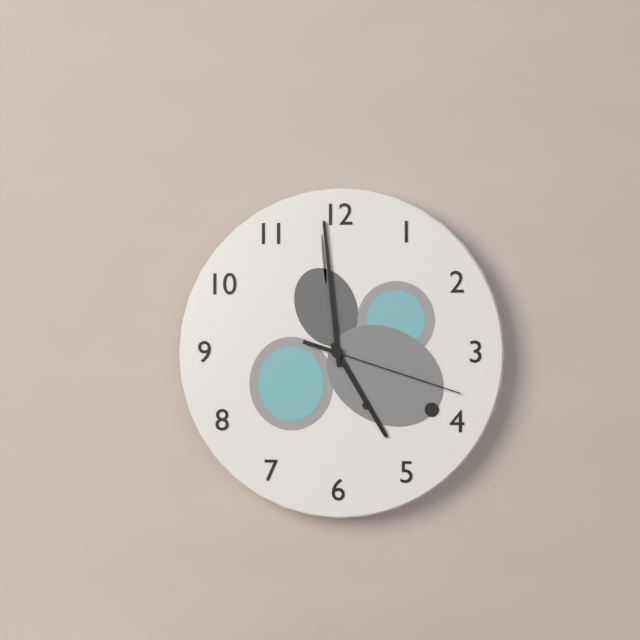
4:59:18
